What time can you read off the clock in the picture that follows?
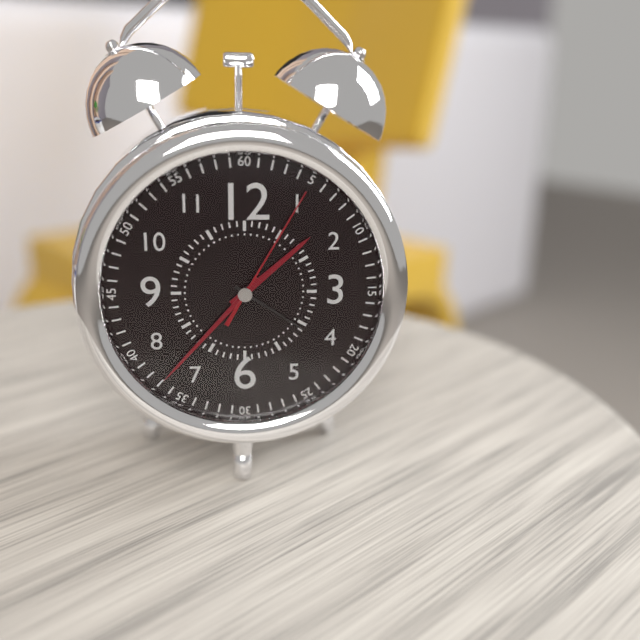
1:37:05
